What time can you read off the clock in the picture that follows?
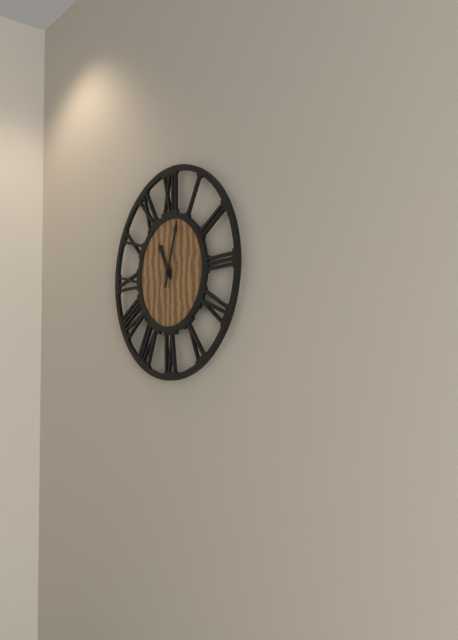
11:03
